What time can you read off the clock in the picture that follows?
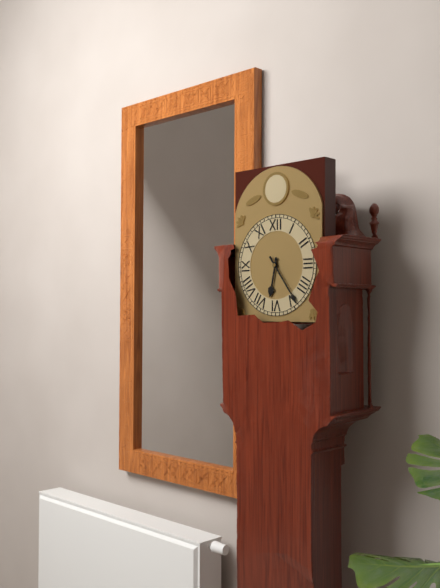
6:24
